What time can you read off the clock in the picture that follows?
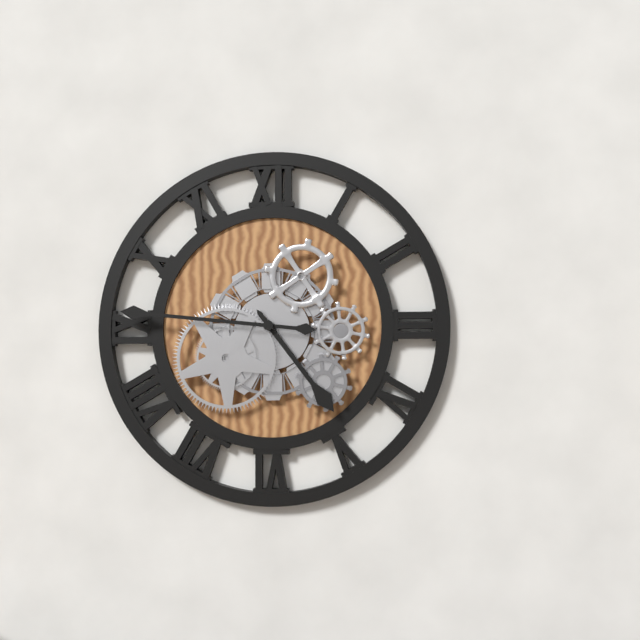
4:46
